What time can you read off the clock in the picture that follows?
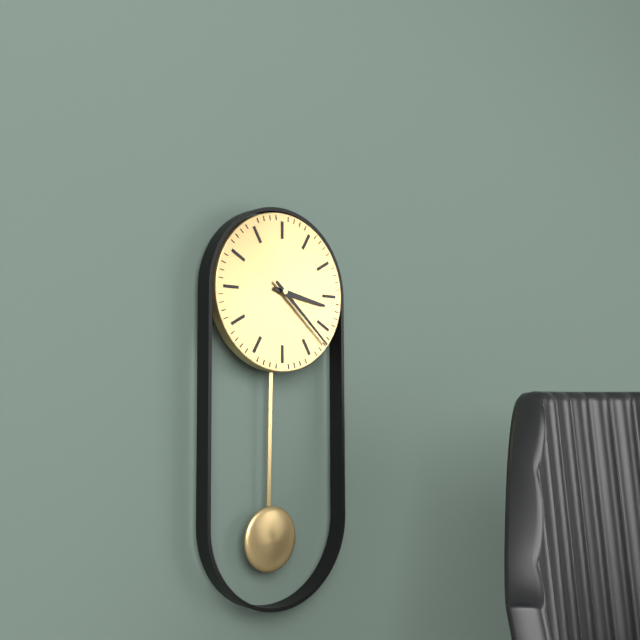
3:22
